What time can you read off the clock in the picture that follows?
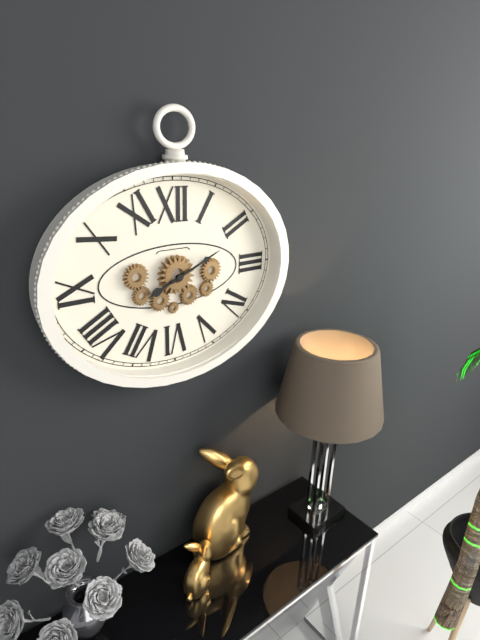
8:11
